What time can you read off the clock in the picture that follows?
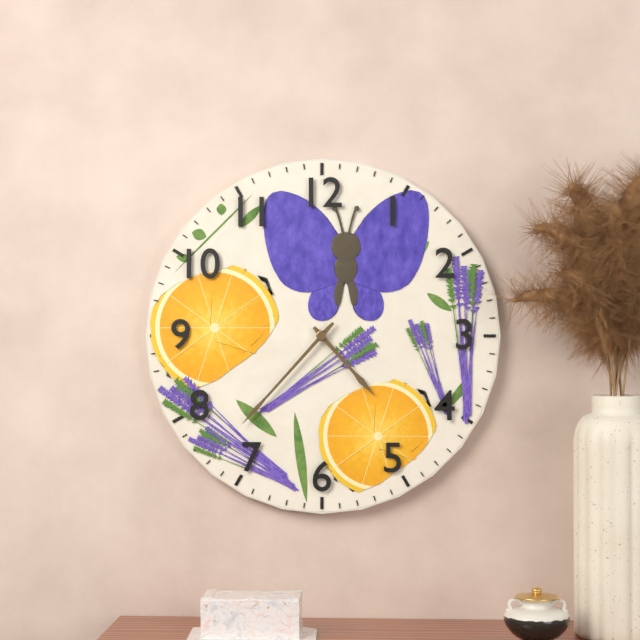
4:37
